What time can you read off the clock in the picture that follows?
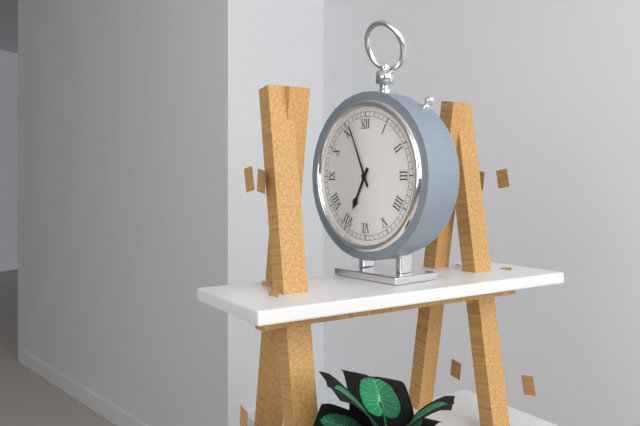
6:56
